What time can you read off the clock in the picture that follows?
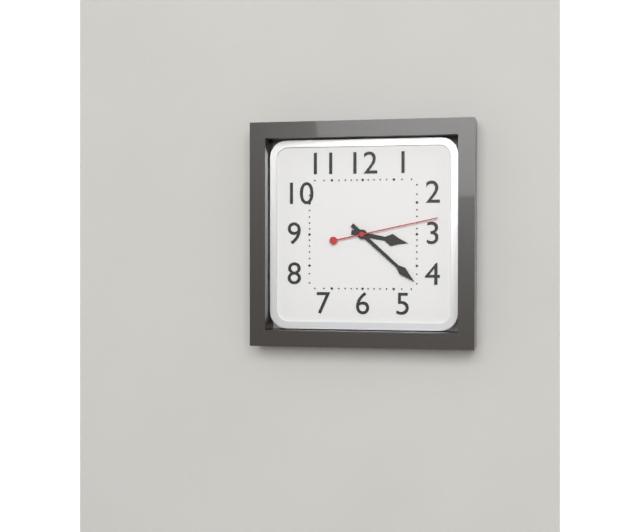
3:22:13
